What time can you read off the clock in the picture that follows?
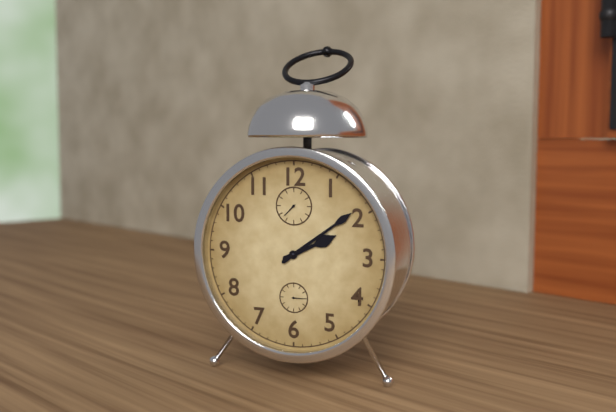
2:09
